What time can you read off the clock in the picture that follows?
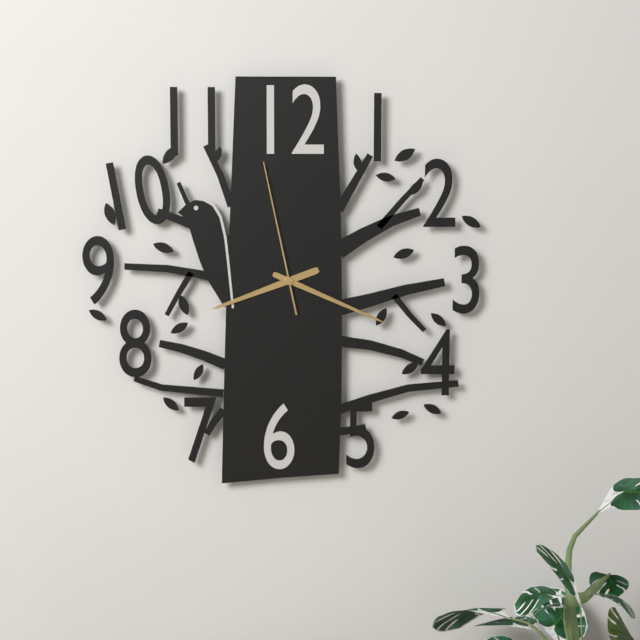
8:19:58
